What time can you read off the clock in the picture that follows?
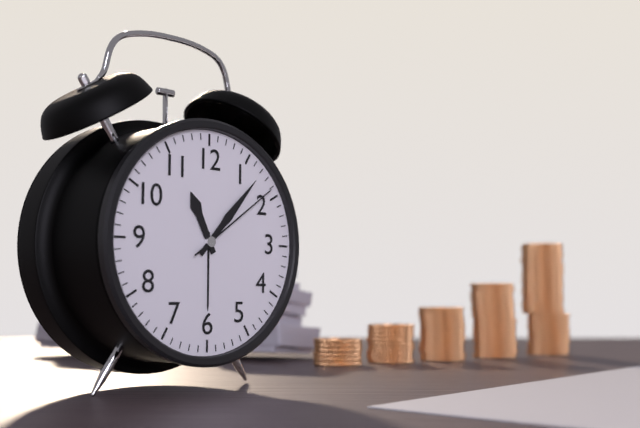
11:07:09
